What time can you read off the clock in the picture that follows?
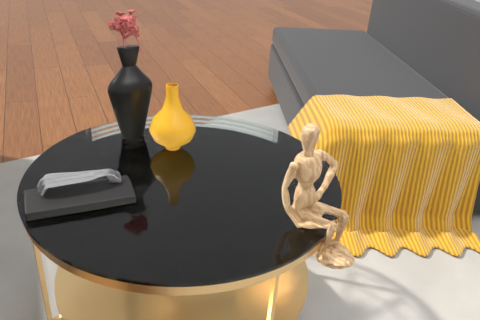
7:05
